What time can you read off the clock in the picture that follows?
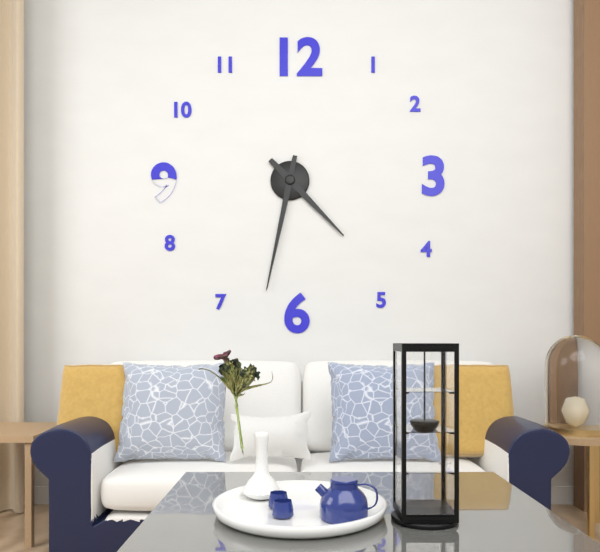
4:32
